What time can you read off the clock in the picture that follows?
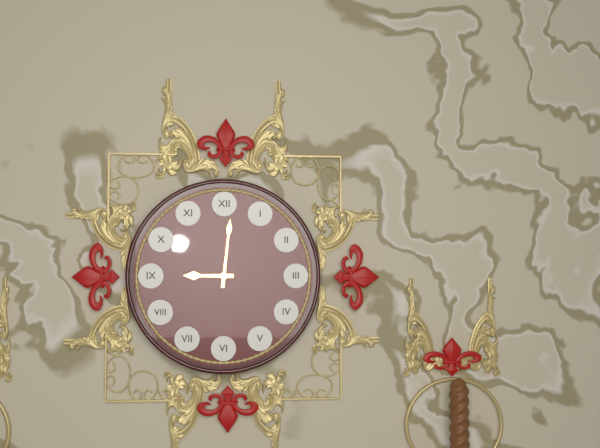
9:01
